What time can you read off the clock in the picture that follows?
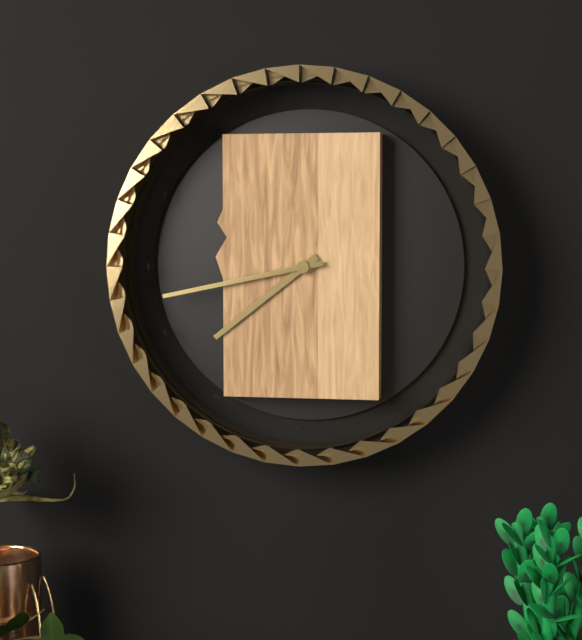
7:43
